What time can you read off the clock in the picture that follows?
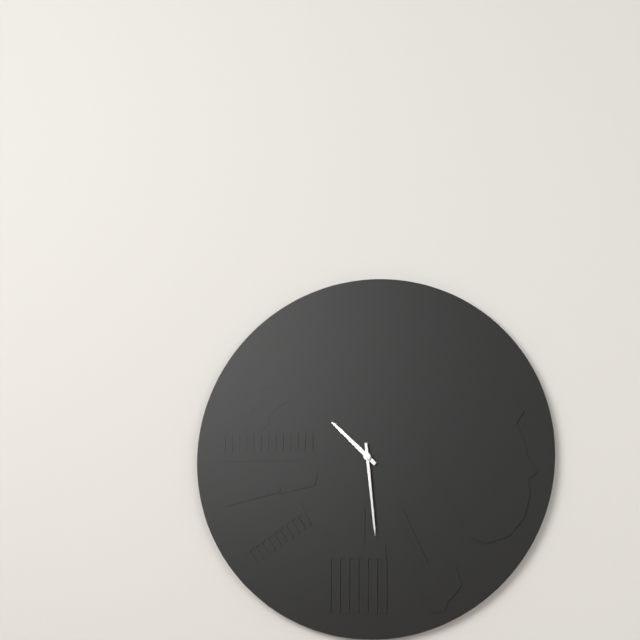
10:29
